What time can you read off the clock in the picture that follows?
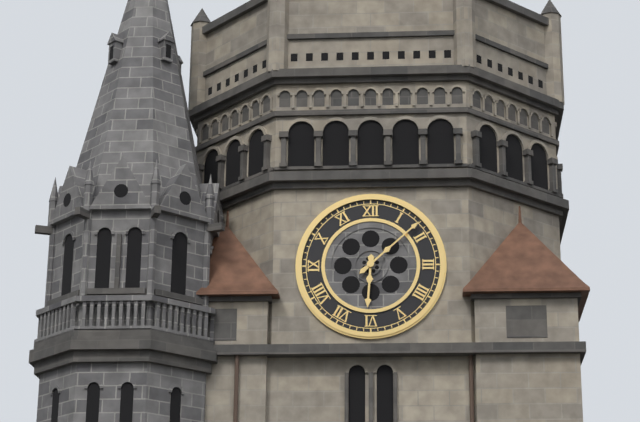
6:08
